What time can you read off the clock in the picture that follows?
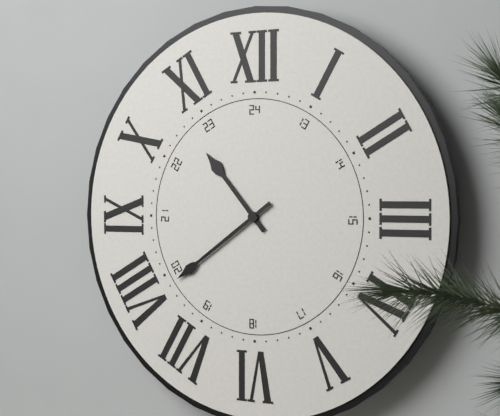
10:39
